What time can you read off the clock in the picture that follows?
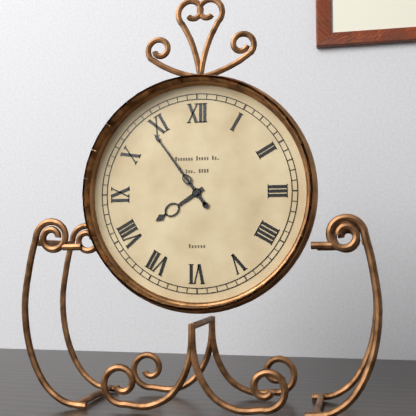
7:54
